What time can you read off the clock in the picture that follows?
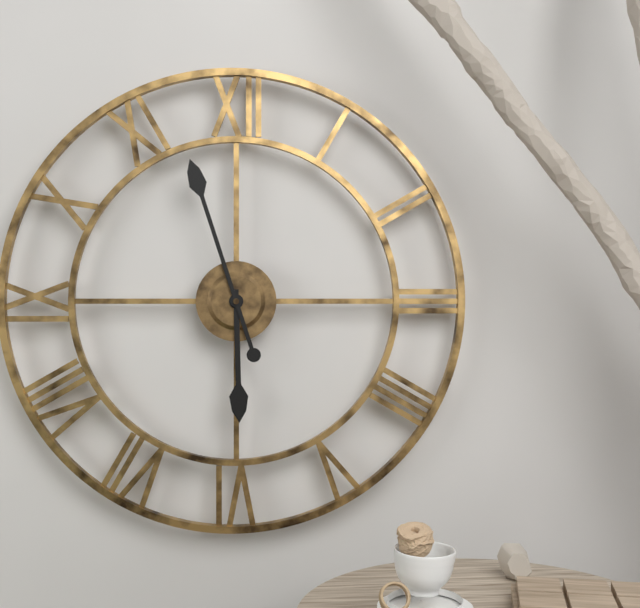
5:57
